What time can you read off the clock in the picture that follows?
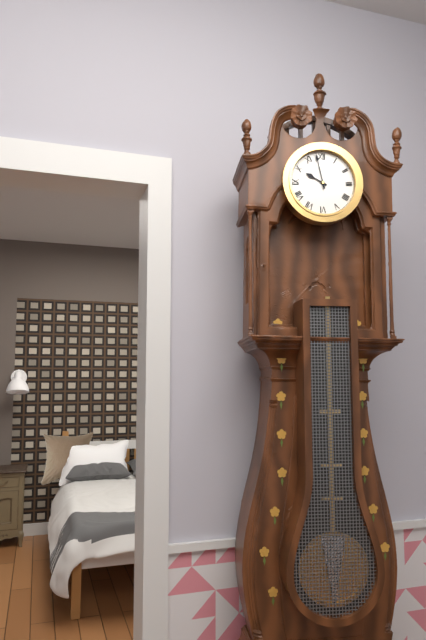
9:58
